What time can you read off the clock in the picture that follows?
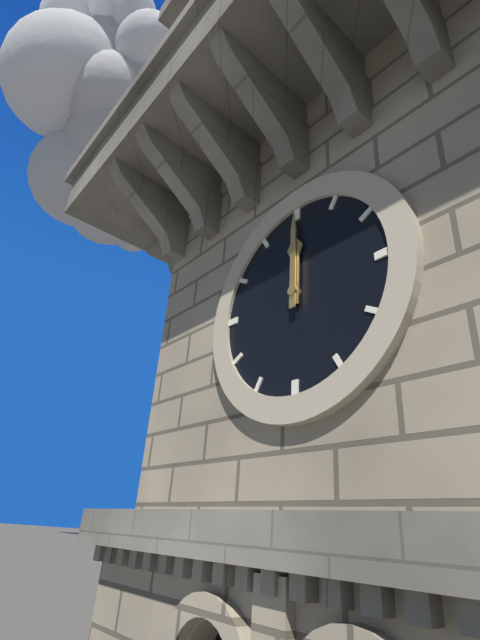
12:00
